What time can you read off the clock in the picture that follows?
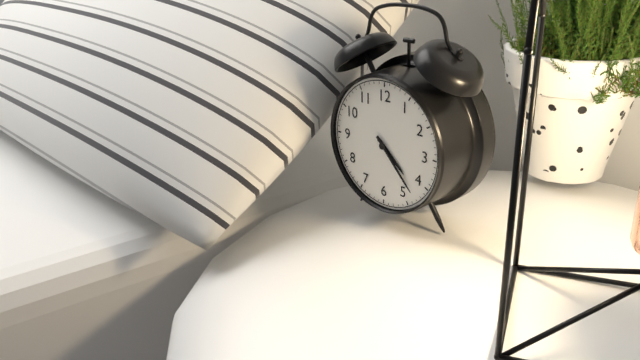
4:23
